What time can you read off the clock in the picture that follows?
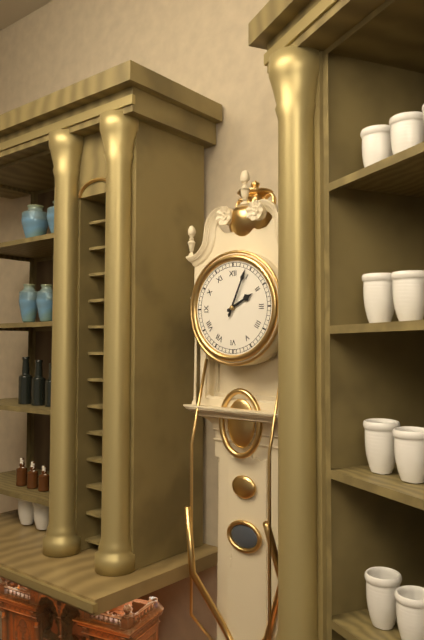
2:04
